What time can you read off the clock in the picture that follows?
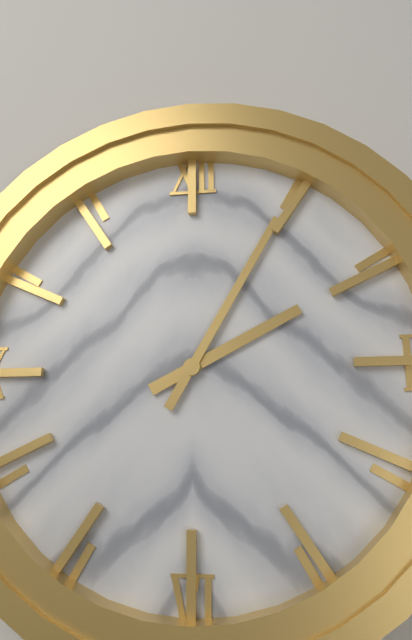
2:05
